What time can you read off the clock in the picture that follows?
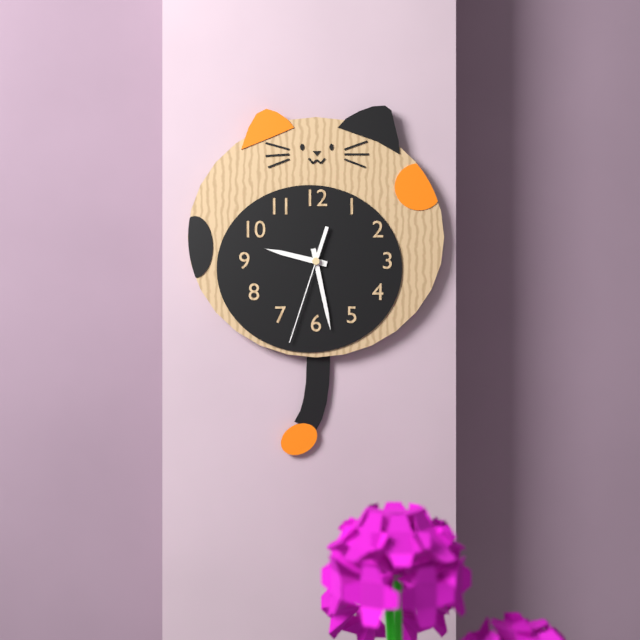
9:28:33
